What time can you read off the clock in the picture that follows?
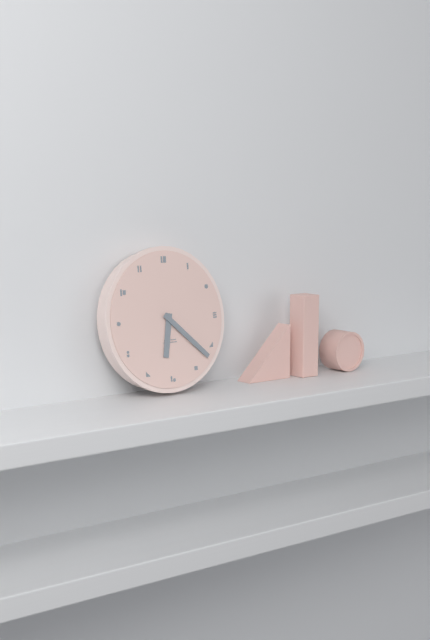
6:22
